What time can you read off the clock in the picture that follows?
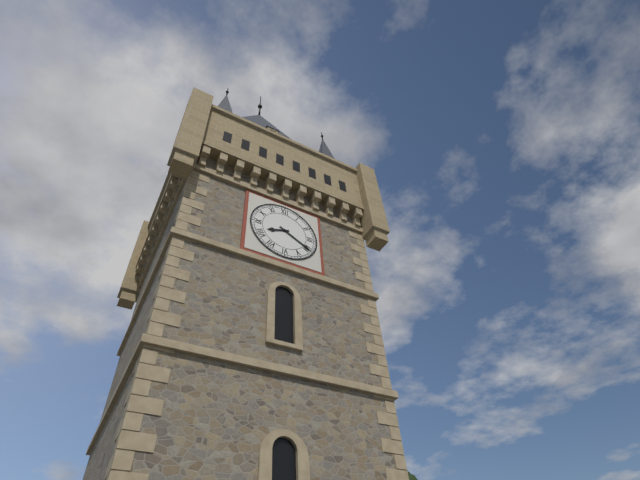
8:20
